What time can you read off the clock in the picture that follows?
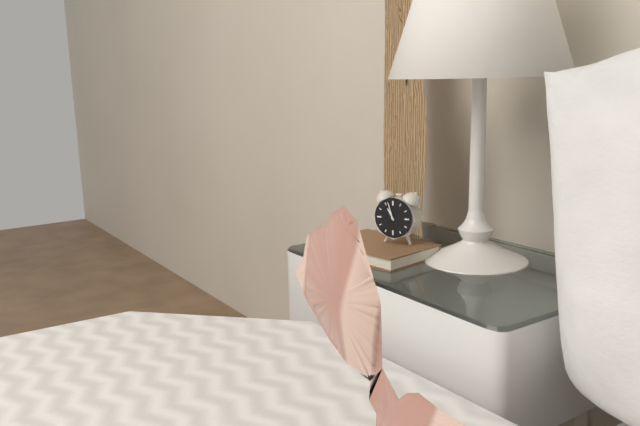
10:57
